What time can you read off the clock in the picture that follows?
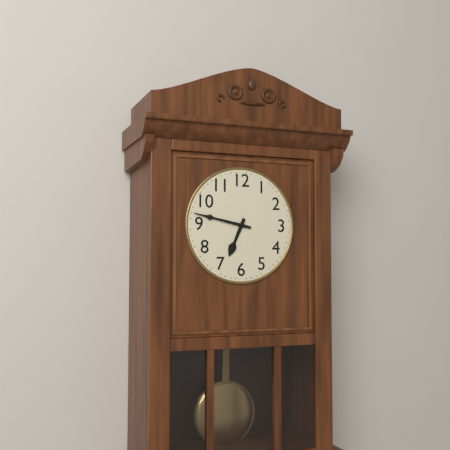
6:47
